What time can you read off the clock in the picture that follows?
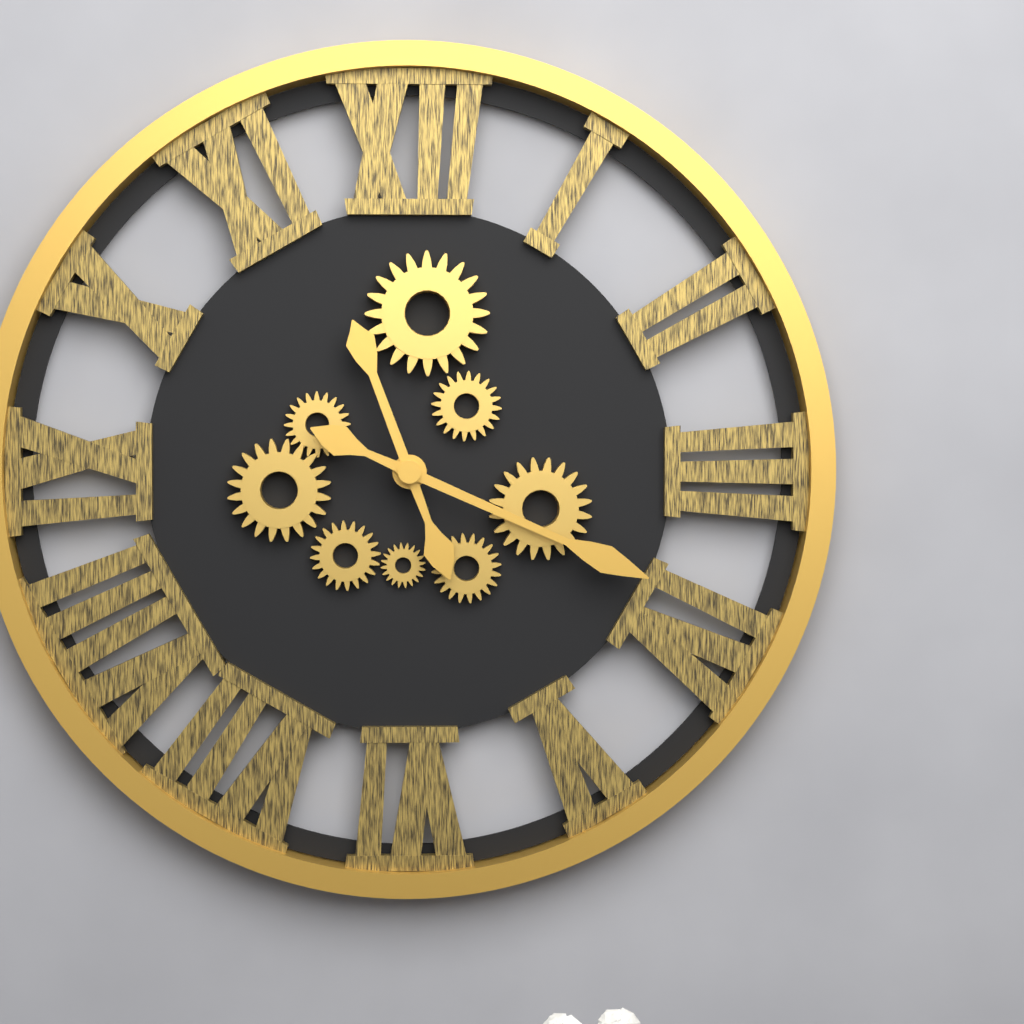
11:19
